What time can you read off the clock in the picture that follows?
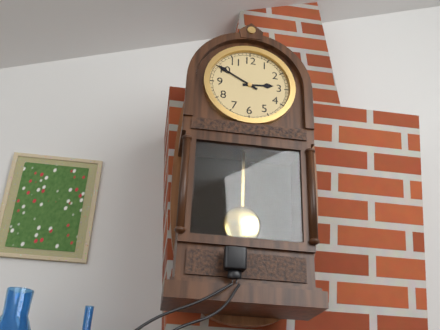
2:50
